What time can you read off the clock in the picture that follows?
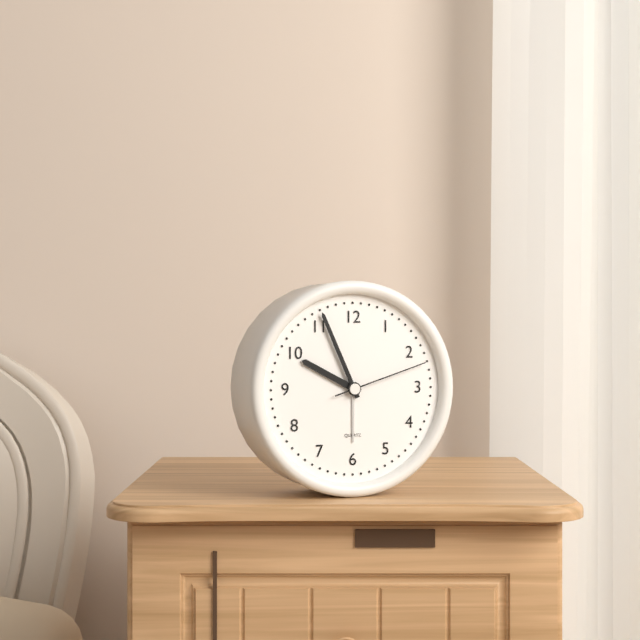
9:56:12
